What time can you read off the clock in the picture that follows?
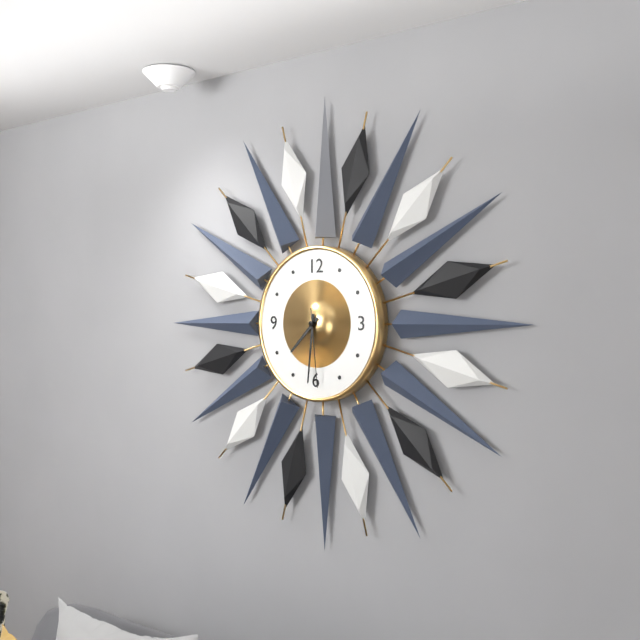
7:31:29
